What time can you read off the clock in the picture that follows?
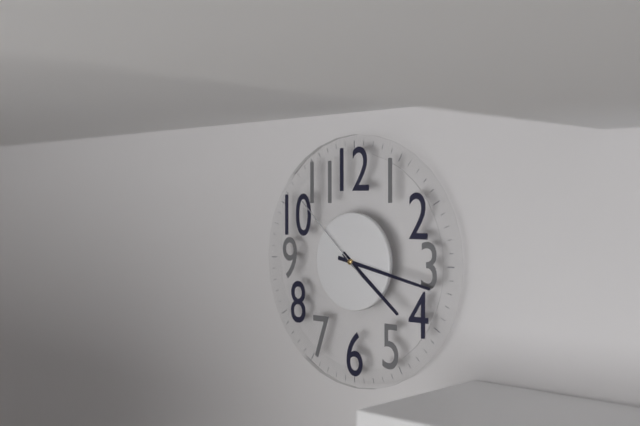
4:17:52
